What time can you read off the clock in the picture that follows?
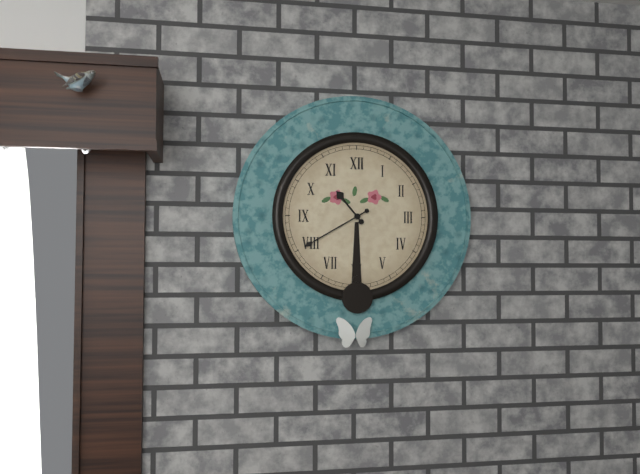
10:40
